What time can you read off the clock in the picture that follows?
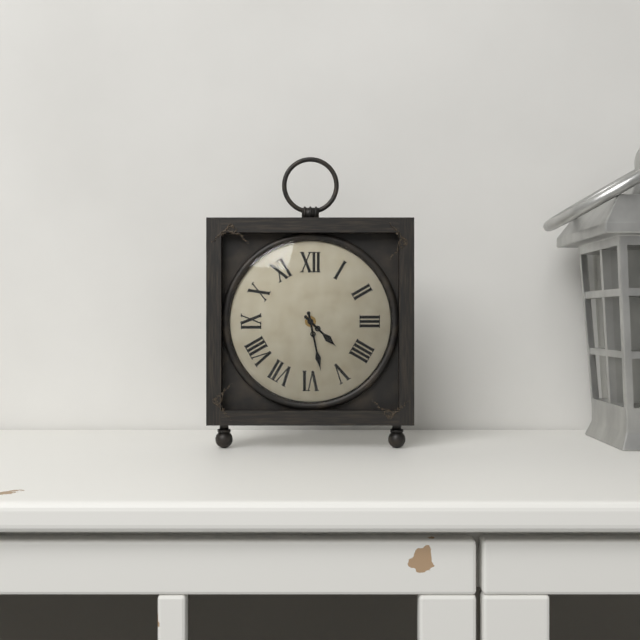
4:28
